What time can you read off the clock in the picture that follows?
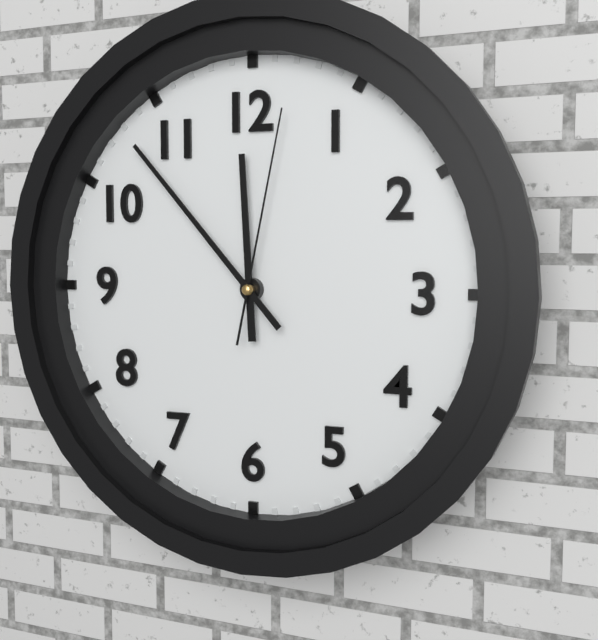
11:53:02
